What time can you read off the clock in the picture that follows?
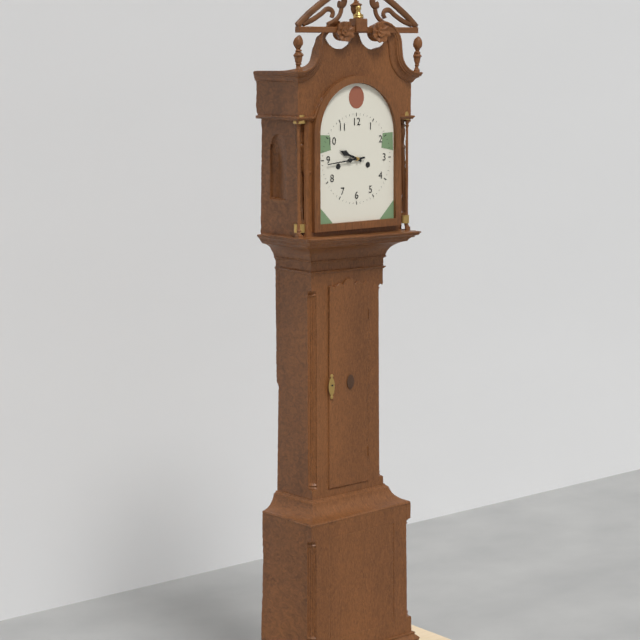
9:44
